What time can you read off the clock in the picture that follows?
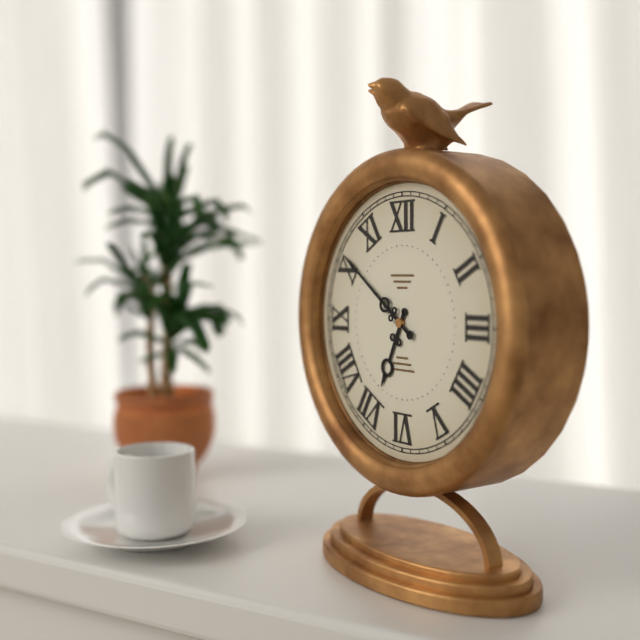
6:51
